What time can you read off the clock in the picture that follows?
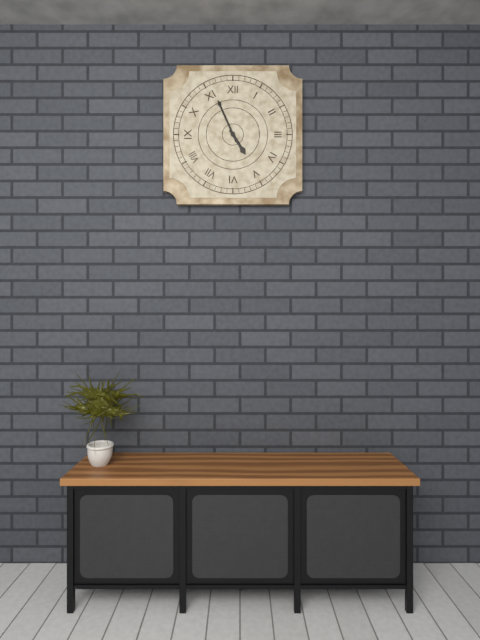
4:56
